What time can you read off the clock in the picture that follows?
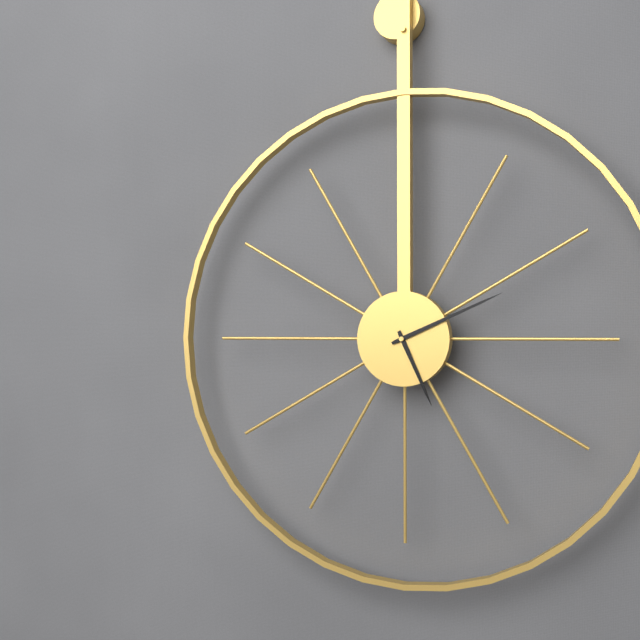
5:11
